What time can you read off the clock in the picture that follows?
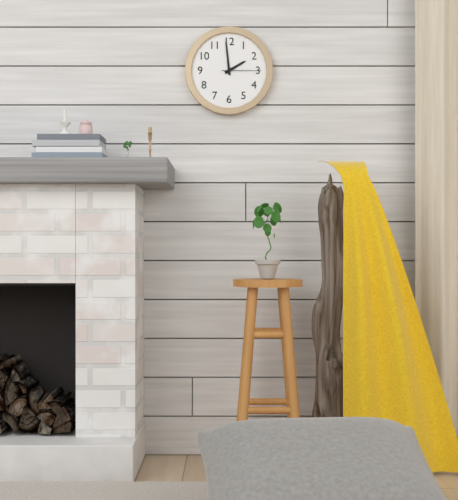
1:59
